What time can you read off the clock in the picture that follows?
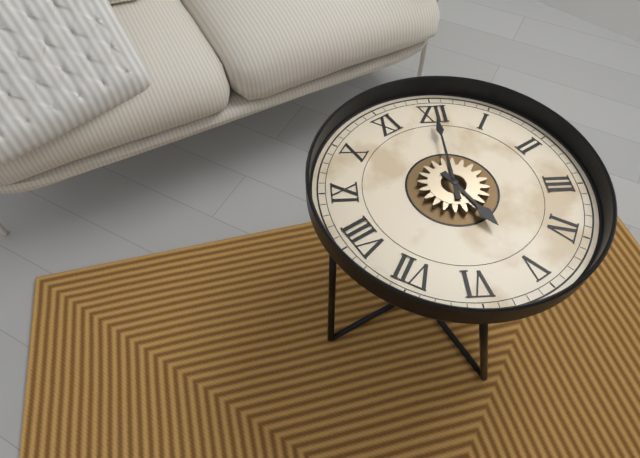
5:00
